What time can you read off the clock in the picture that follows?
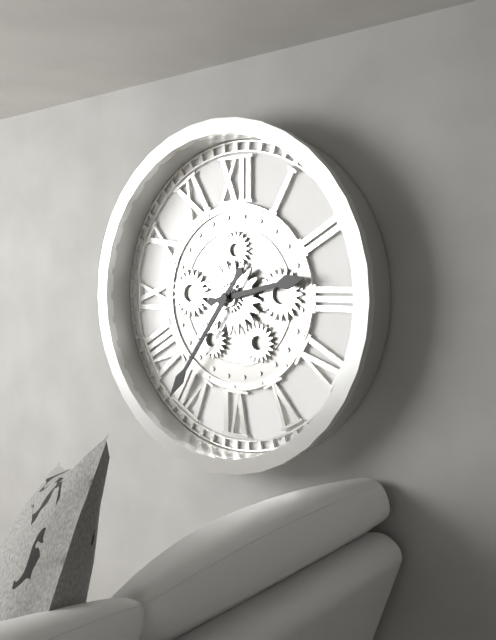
2:36
